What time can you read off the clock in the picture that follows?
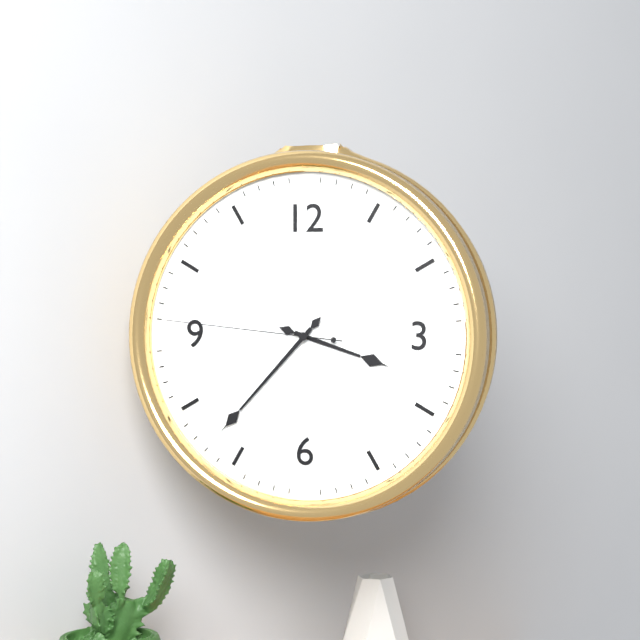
3:37:46
